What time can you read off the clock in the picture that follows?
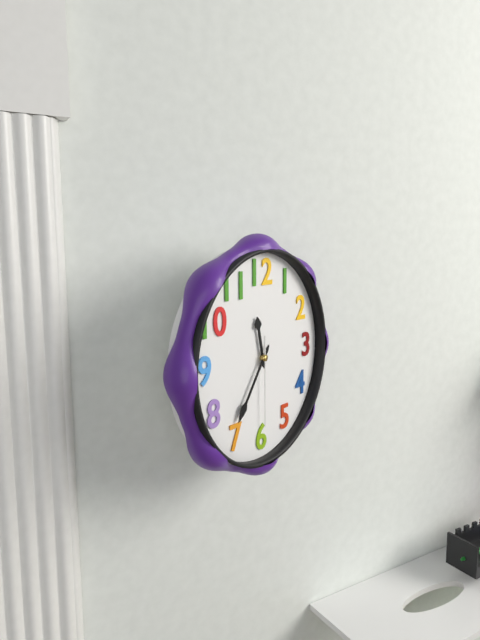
11:36:30
